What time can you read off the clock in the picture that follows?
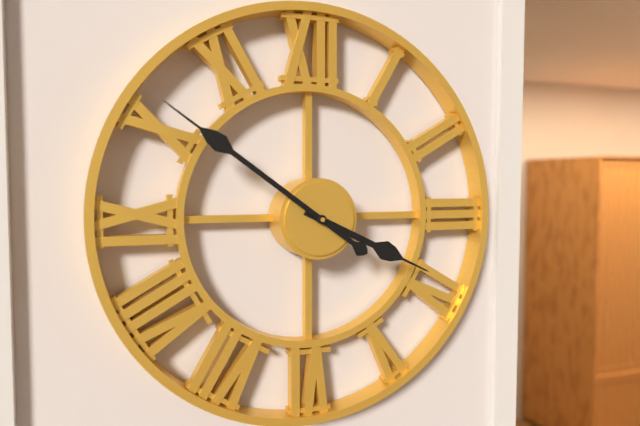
3:51
